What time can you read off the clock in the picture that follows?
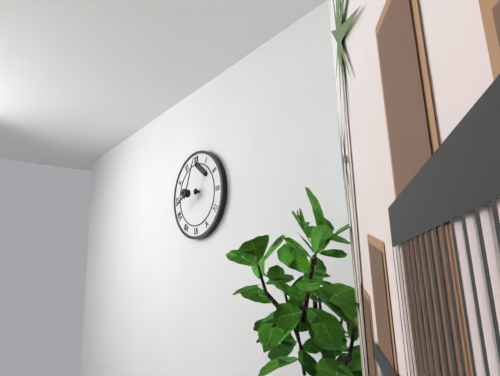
8:04
